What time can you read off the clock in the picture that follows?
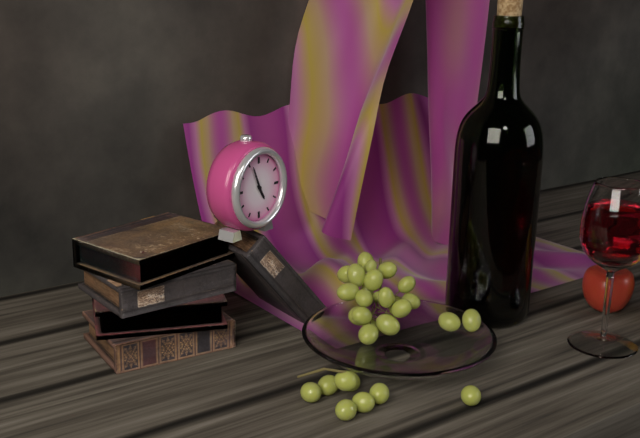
4:56
